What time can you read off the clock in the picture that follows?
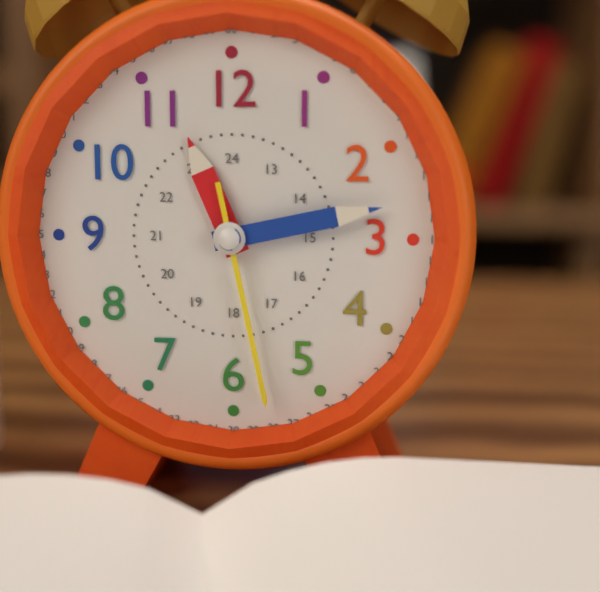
11:13:28
